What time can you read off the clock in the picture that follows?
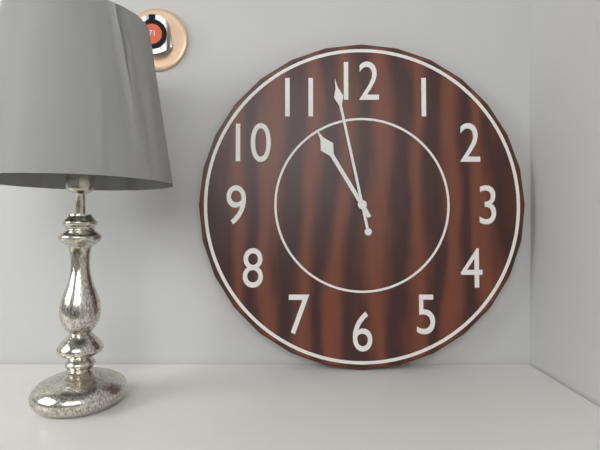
10:58
